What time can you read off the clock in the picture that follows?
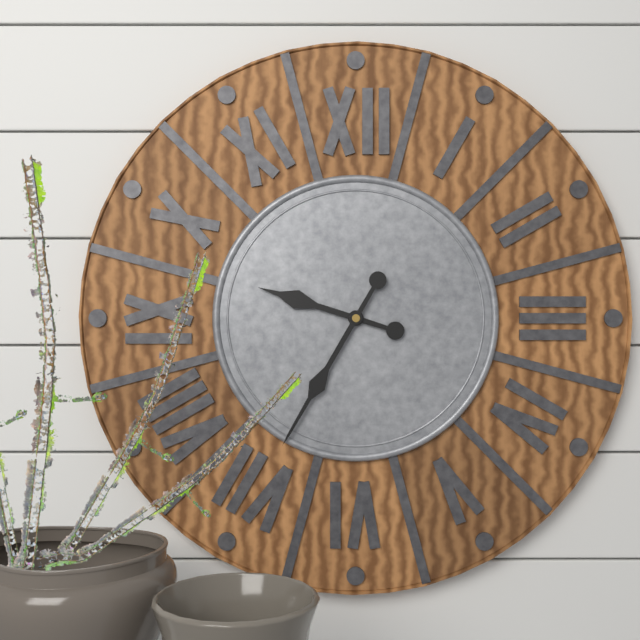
9:35
